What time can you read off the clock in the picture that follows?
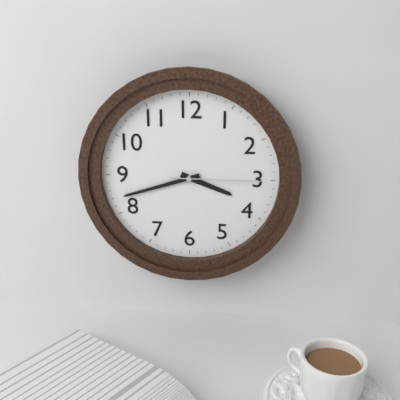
3:42:15
